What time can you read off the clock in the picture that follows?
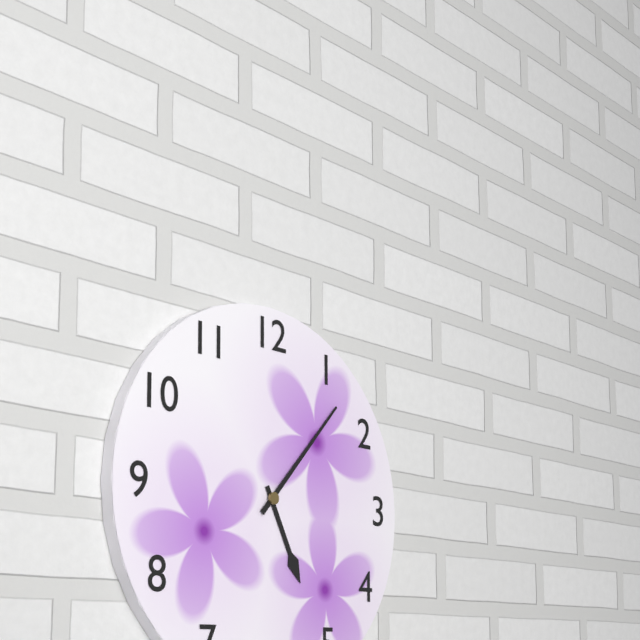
5:07
